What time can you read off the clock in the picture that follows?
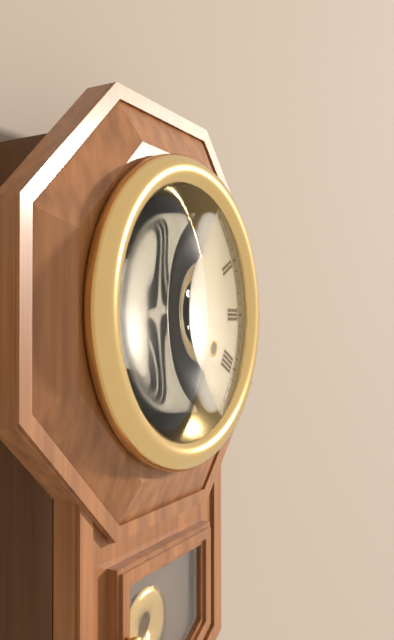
6:57
